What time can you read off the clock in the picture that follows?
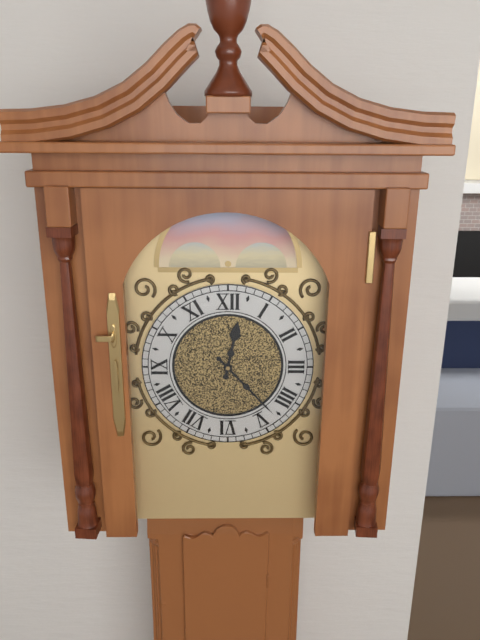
12:23
